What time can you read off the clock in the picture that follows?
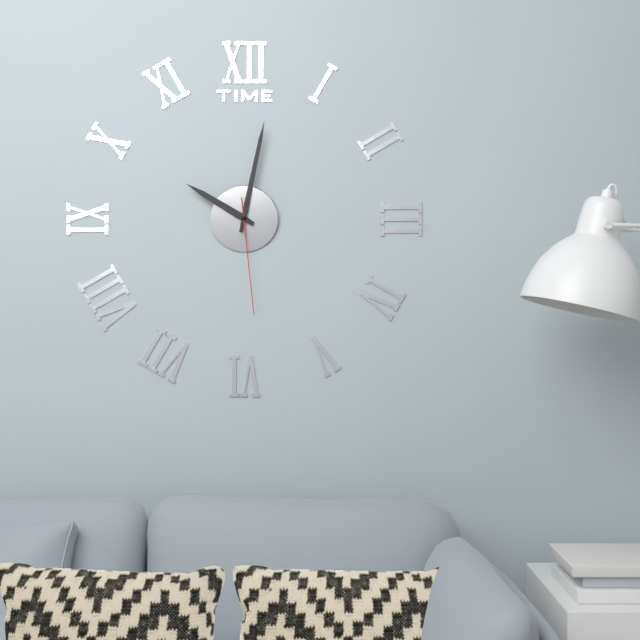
10:02:29
